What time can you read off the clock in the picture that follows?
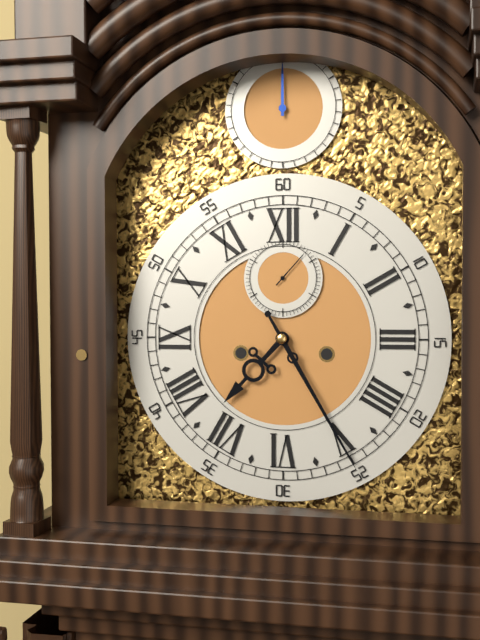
7:25
